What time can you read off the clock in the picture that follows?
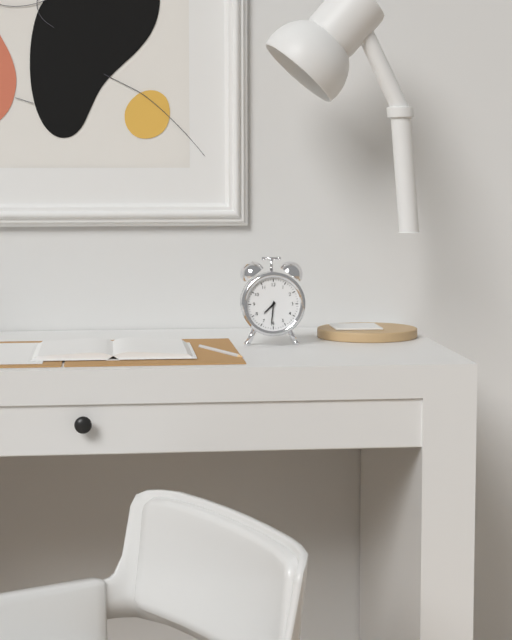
7:31
